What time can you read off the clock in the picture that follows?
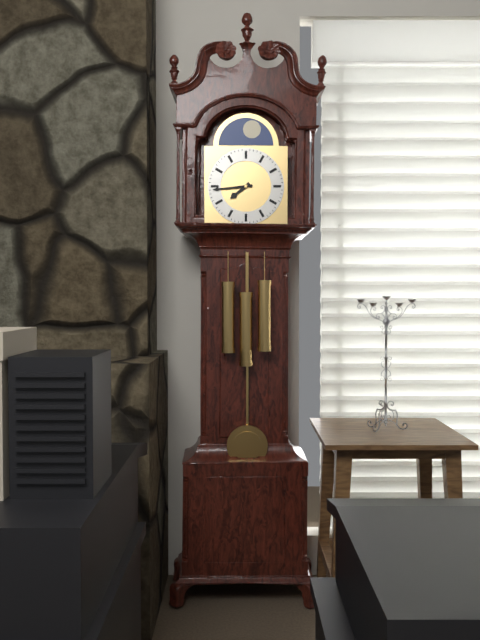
7:44
